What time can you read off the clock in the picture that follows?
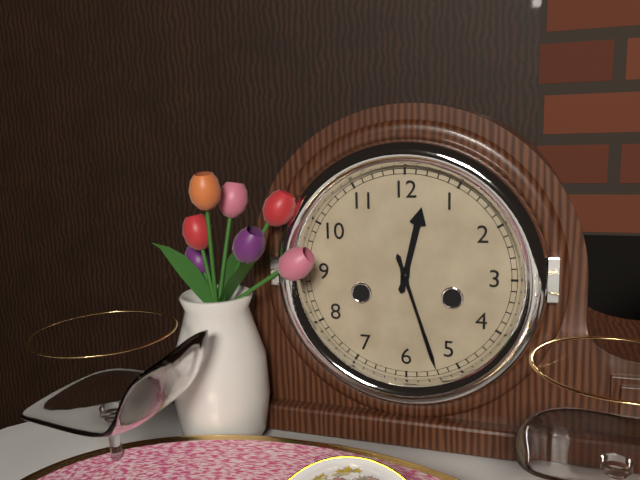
12:27
